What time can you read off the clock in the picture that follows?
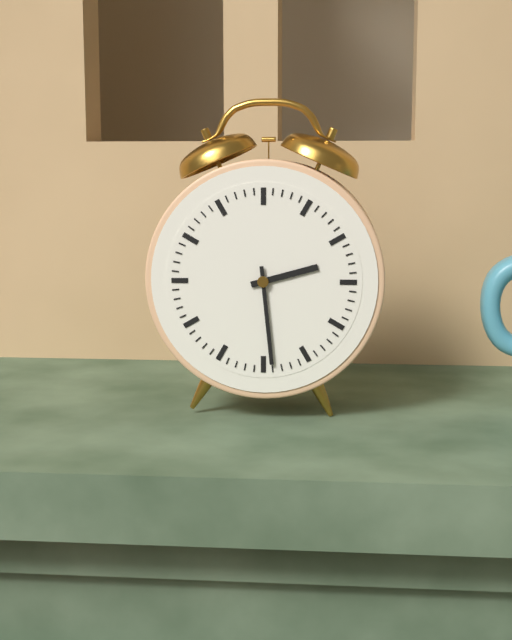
2:29
